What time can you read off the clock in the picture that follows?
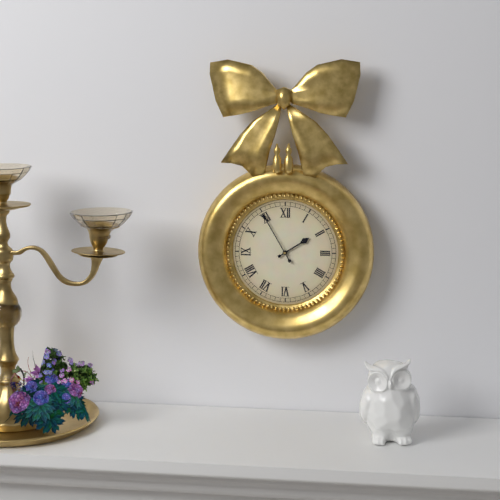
1:55
